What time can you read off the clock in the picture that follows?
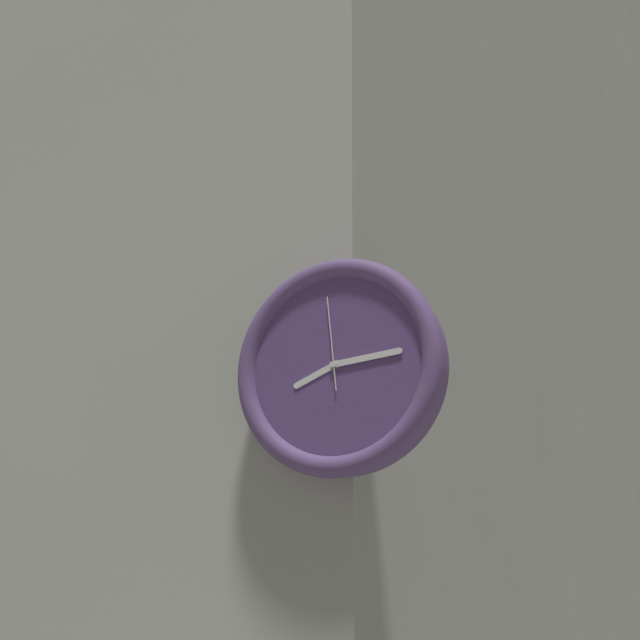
8:14:59
